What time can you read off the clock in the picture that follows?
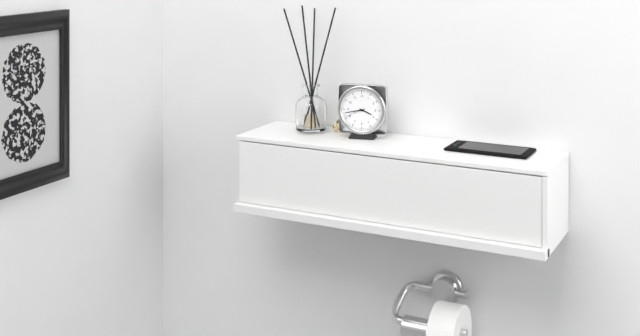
3:43
